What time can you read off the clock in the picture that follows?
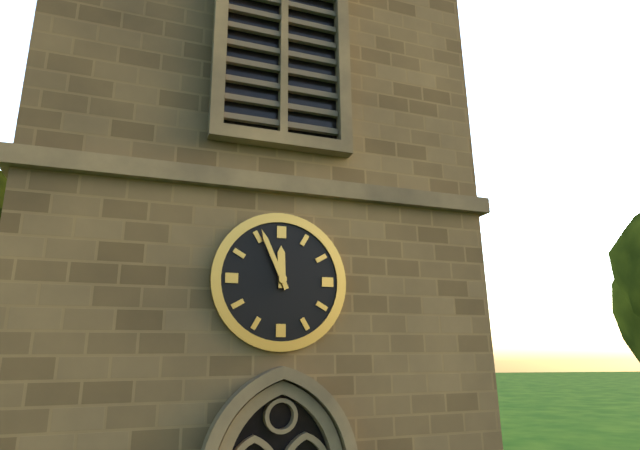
11:56
